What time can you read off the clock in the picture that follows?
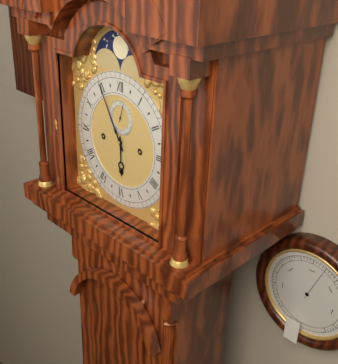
5:55
